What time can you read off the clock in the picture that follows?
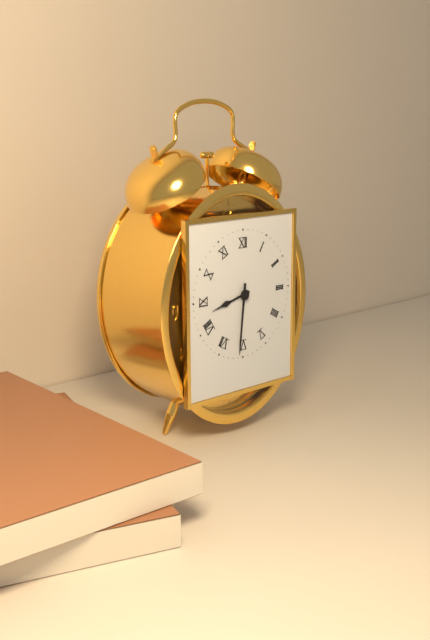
8:31
